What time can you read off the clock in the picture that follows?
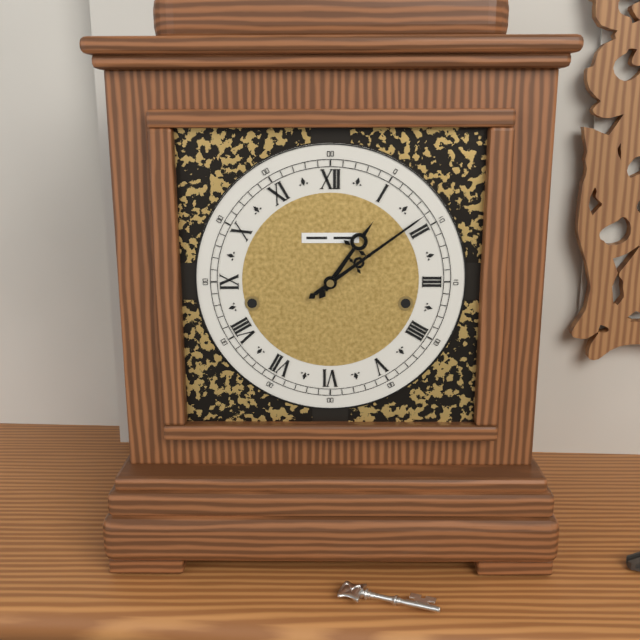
1:09
